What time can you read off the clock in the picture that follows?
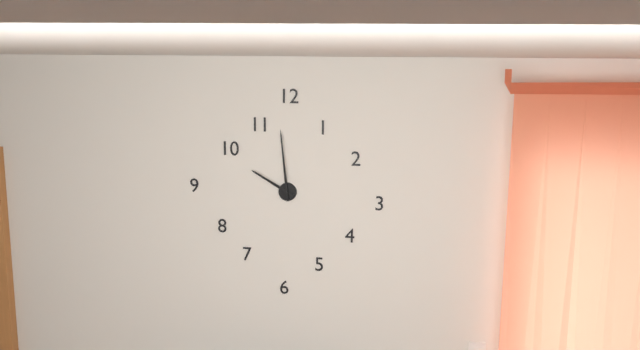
9:59
